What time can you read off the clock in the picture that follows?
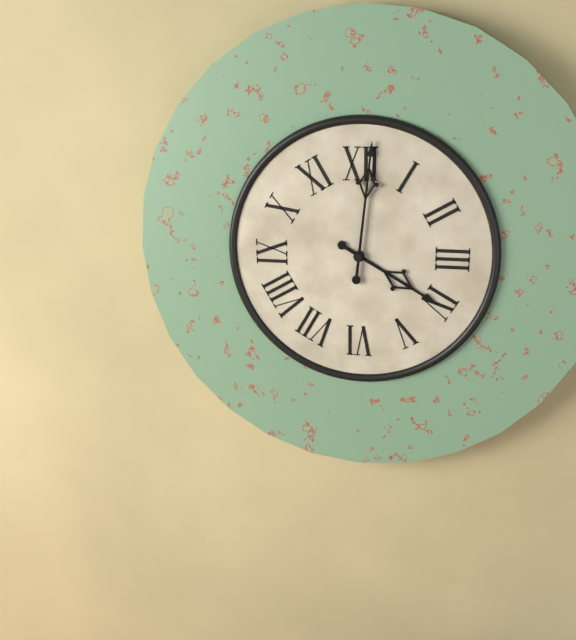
4:01
